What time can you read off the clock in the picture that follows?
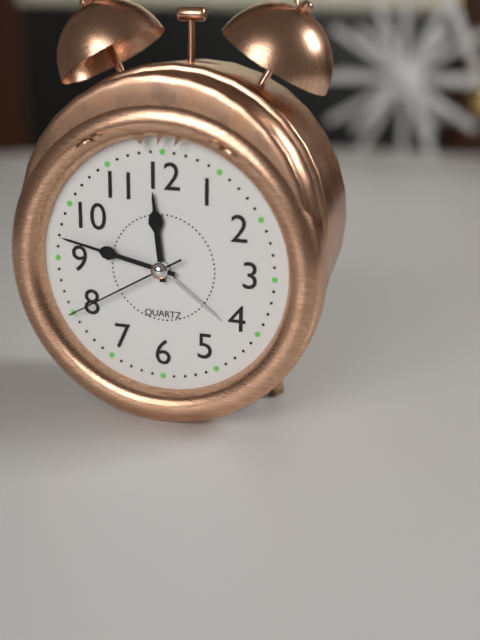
11:47:40
